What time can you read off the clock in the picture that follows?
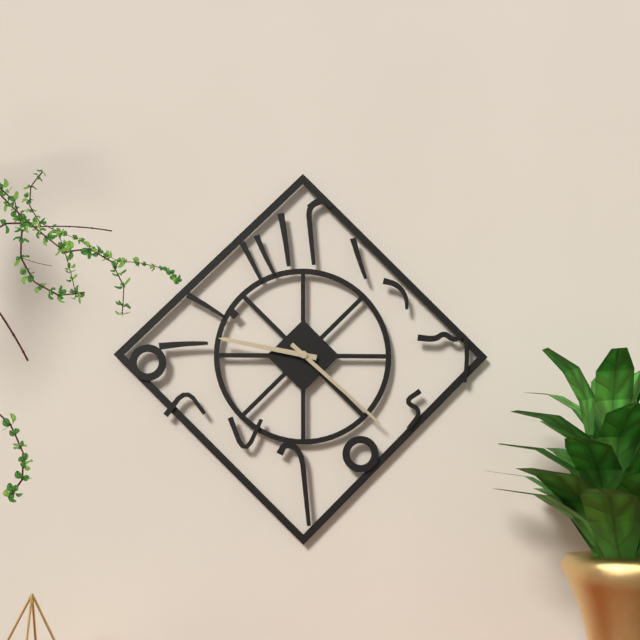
9:22
